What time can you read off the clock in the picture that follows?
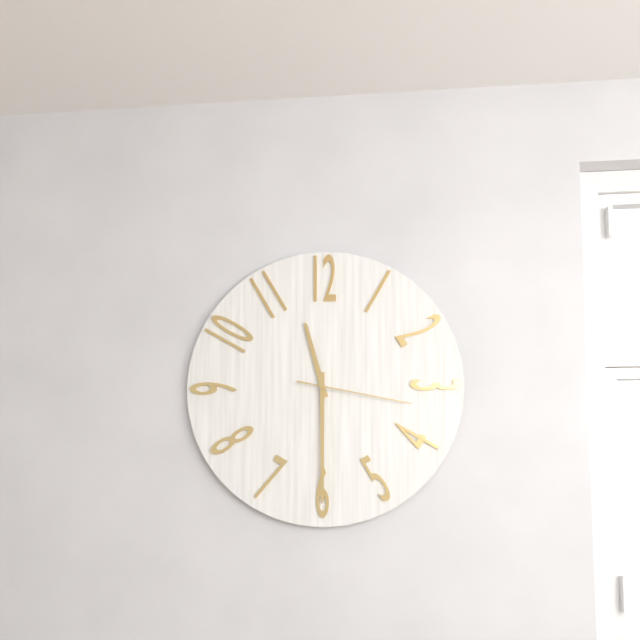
11:30:17
